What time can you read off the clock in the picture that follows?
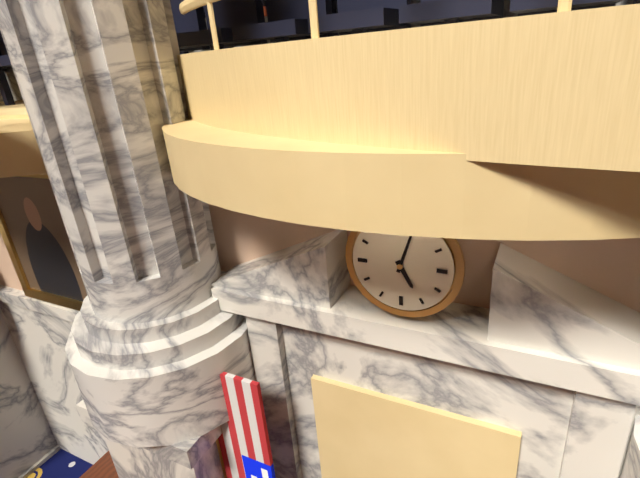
5:03
